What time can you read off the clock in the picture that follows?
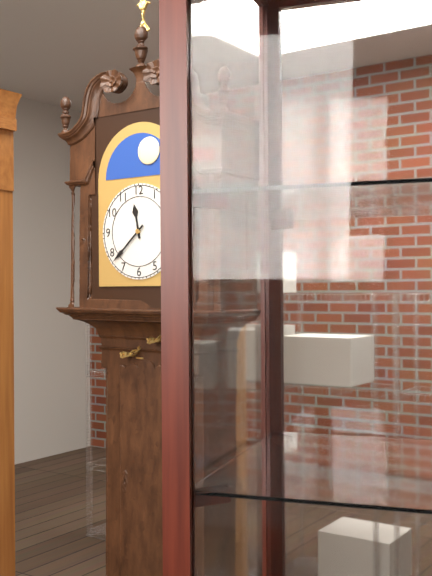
11:38
